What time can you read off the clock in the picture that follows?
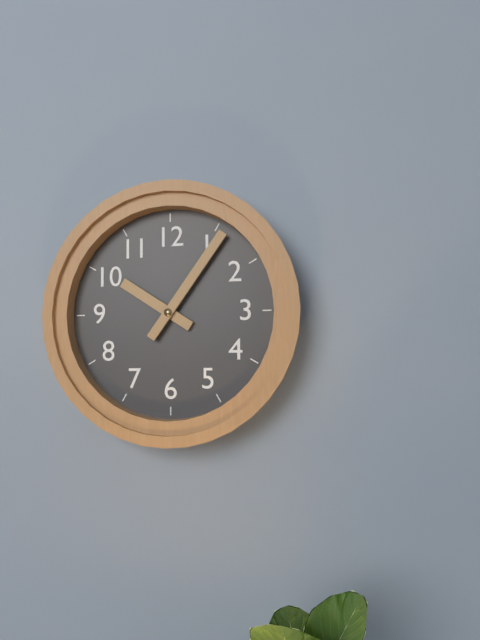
10:06
